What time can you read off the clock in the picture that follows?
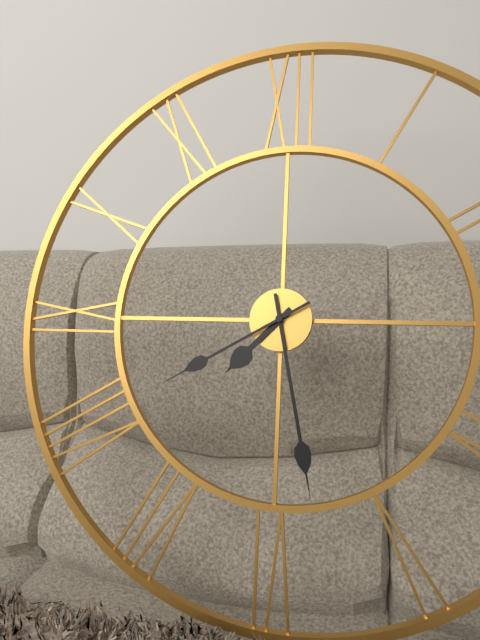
7:28:40
